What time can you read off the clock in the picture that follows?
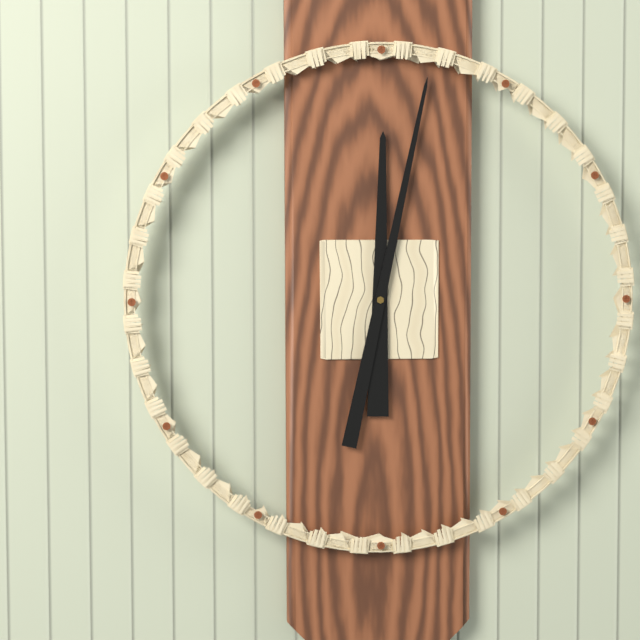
12:02
